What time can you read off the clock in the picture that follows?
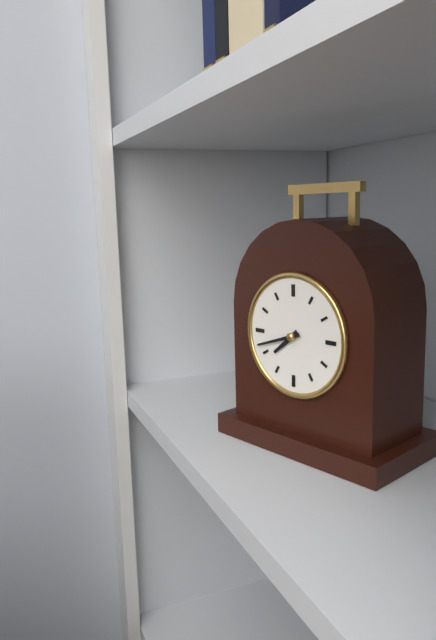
7:42
